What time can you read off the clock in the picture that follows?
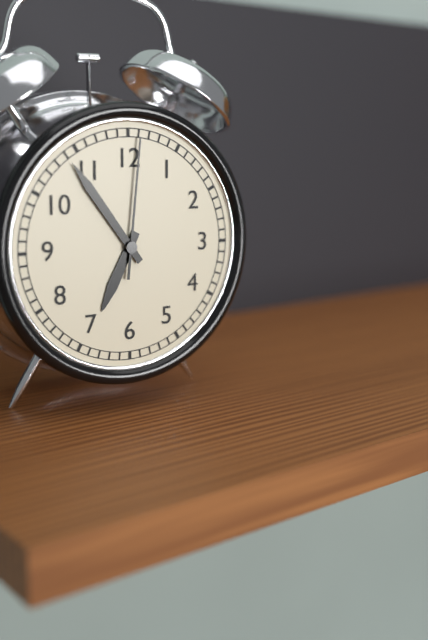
6:54:01
